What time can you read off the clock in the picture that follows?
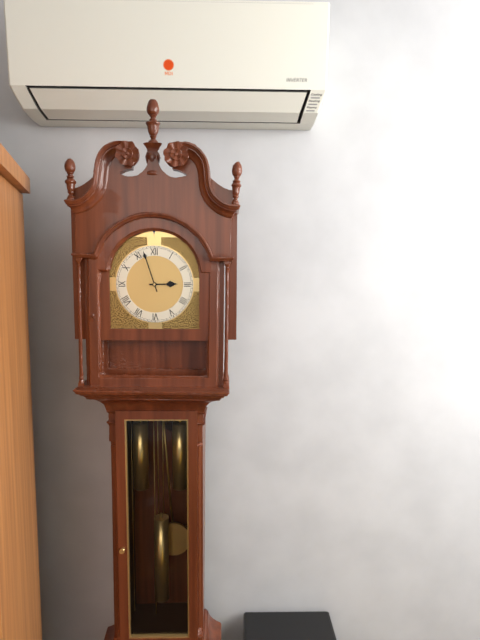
2:57
